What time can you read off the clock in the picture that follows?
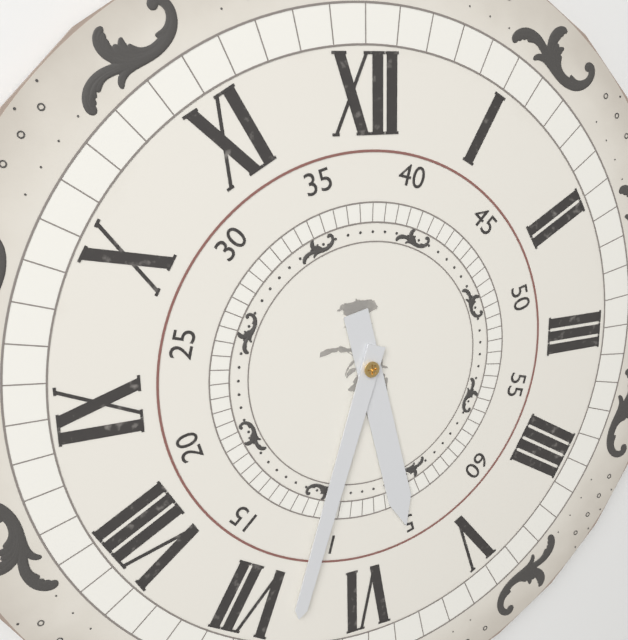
5:33
